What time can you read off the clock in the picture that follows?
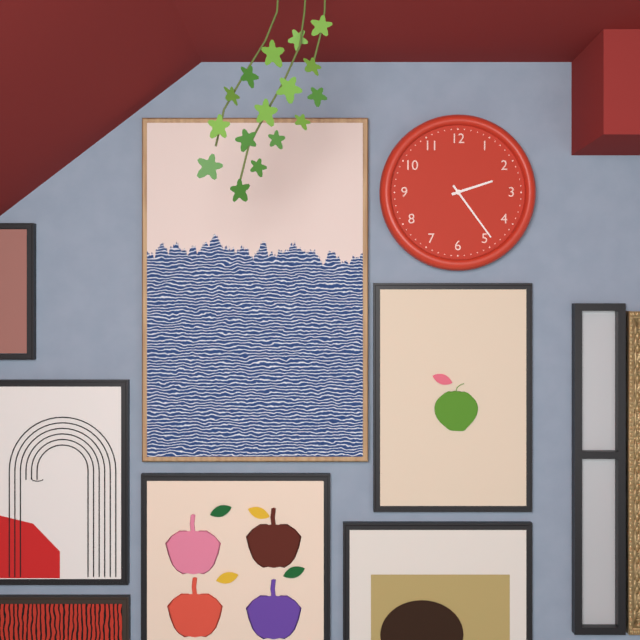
2:24
